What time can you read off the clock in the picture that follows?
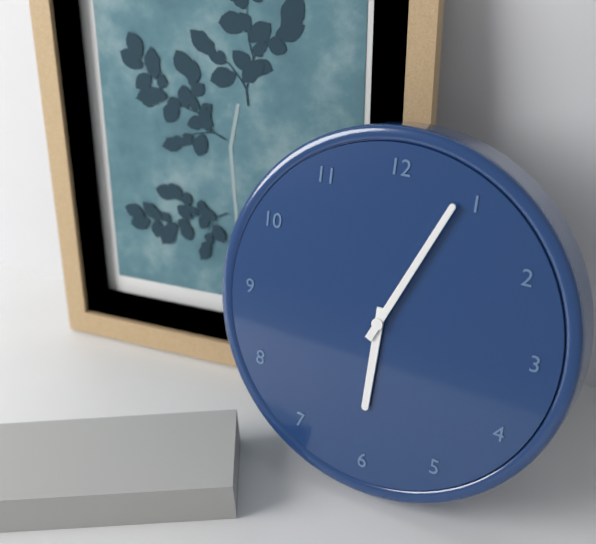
6:04
